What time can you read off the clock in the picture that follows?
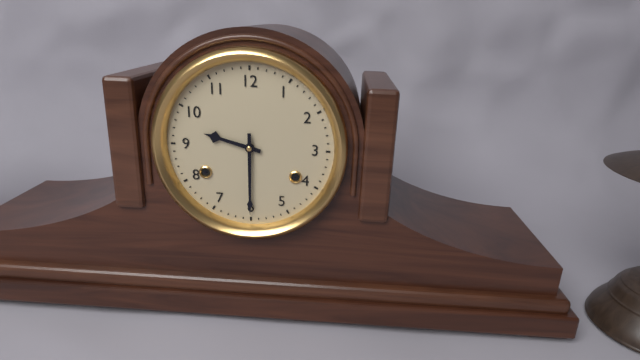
9:30
